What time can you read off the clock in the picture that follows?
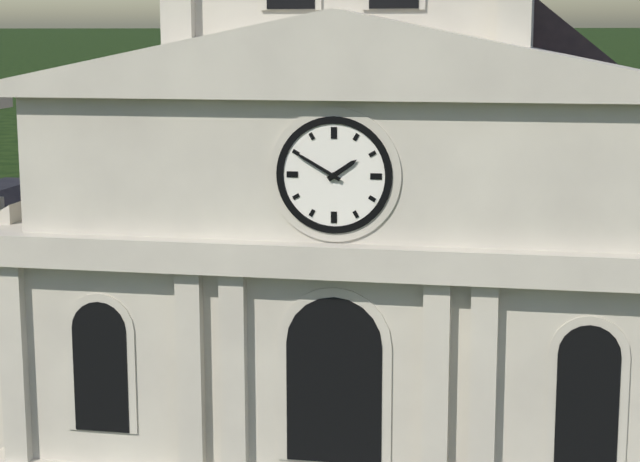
1:50
